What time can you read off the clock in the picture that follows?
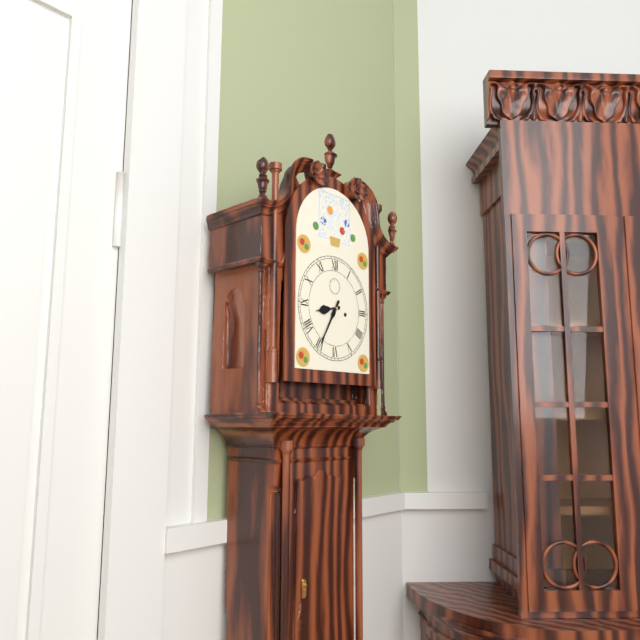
8:35
